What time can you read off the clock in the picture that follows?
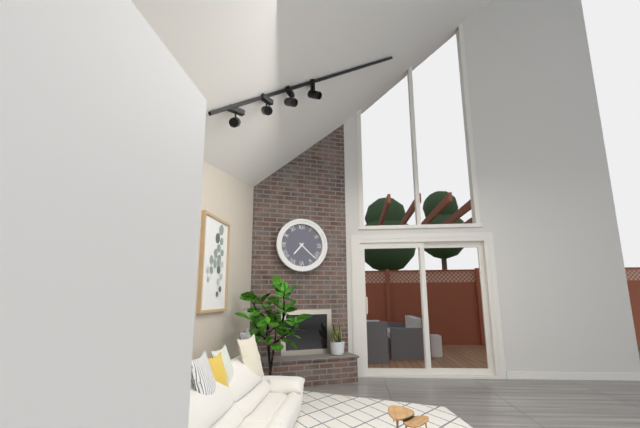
7:22
